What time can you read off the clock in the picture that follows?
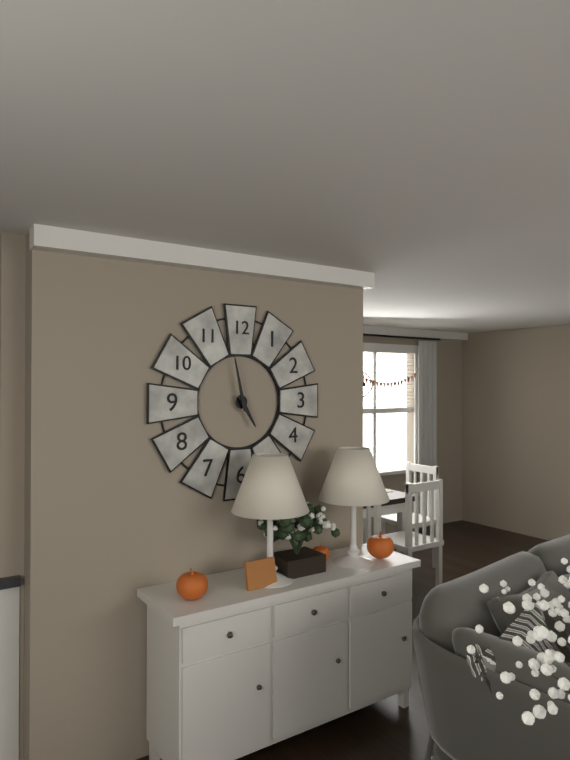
4:58
